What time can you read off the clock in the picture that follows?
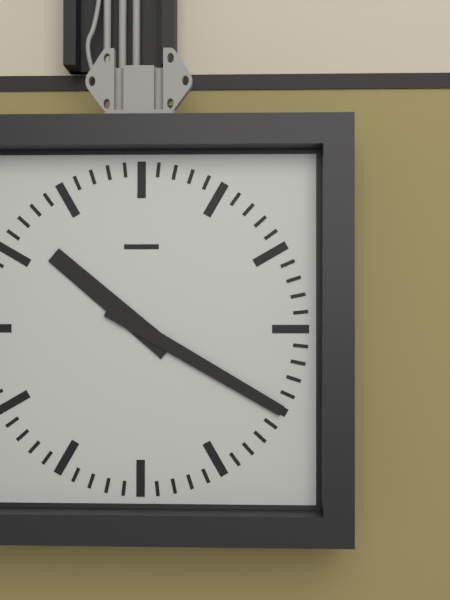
10:20
